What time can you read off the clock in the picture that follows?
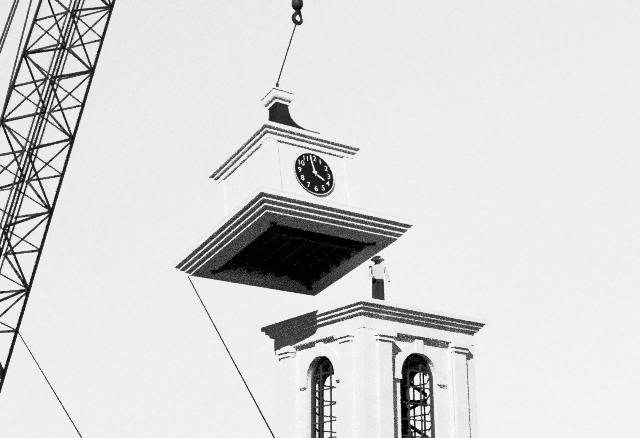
3:58
